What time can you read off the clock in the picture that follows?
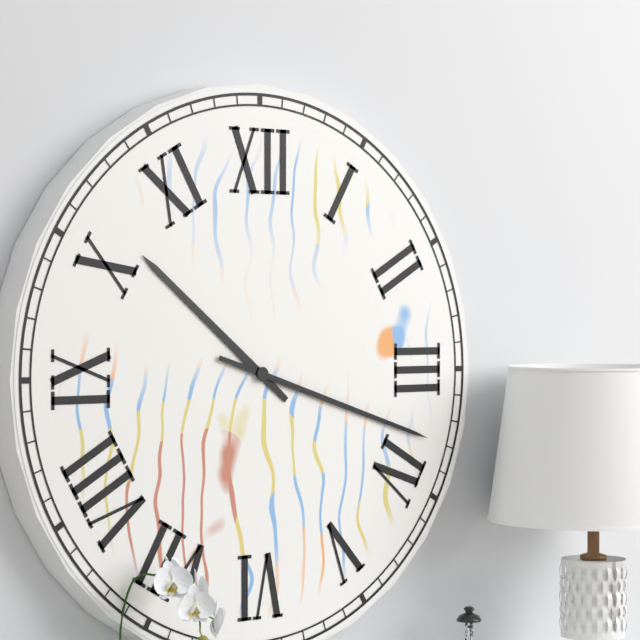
10:18
